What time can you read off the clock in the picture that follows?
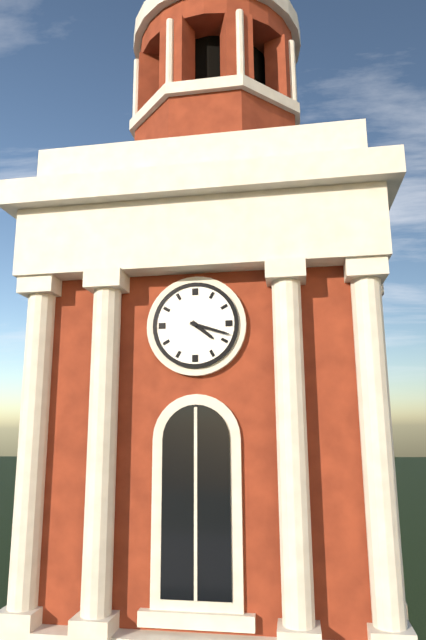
4:18
